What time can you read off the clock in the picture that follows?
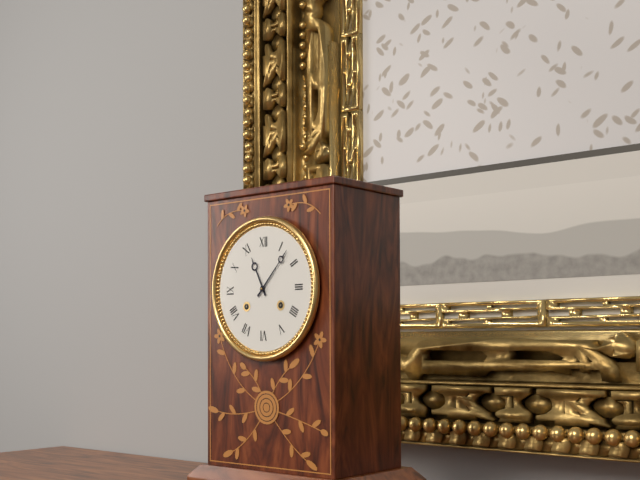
11:07
